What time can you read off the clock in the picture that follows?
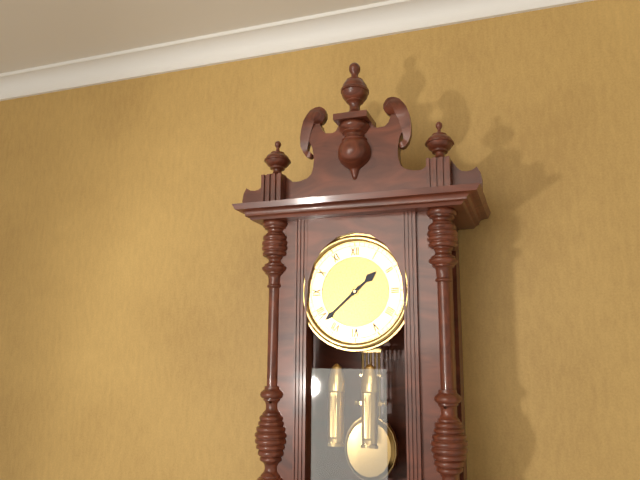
1:38
